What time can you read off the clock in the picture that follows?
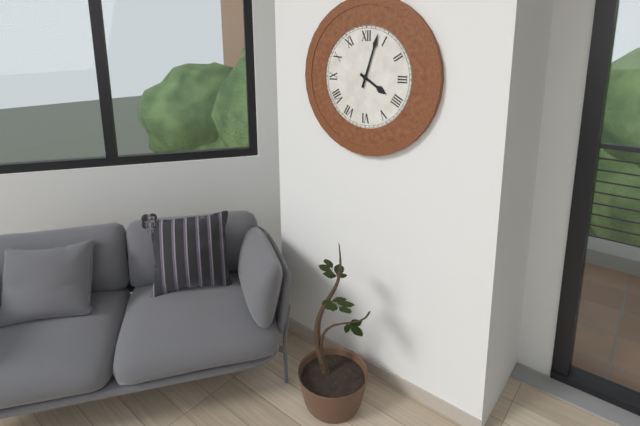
4:03
